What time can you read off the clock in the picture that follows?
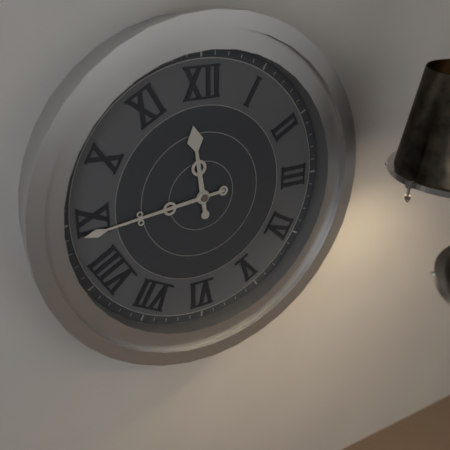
11:44
